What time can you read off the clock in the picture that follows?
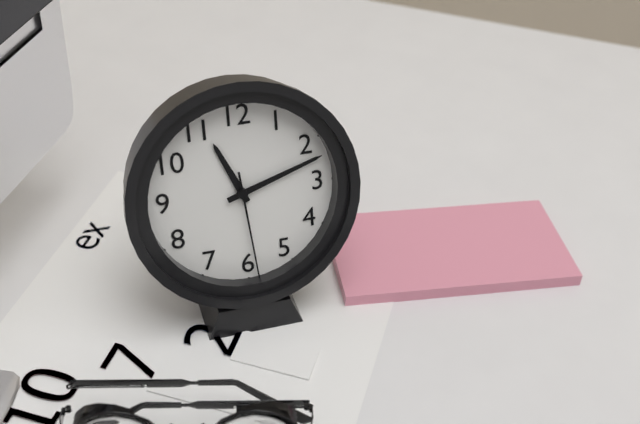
11:12:29
